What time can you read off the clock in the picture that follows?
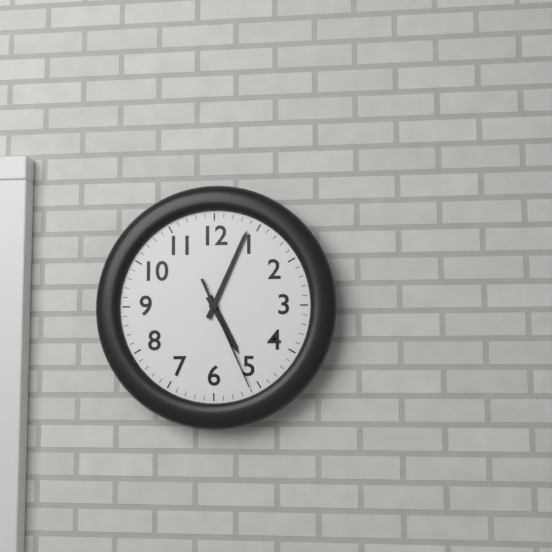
5:04:26
